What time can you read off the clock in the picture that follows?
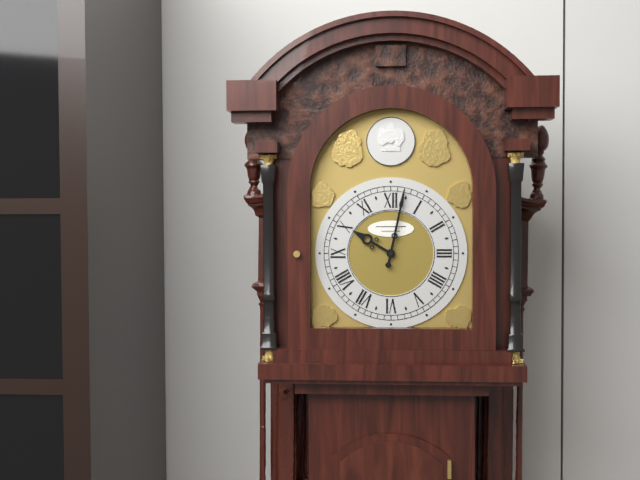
10:02
